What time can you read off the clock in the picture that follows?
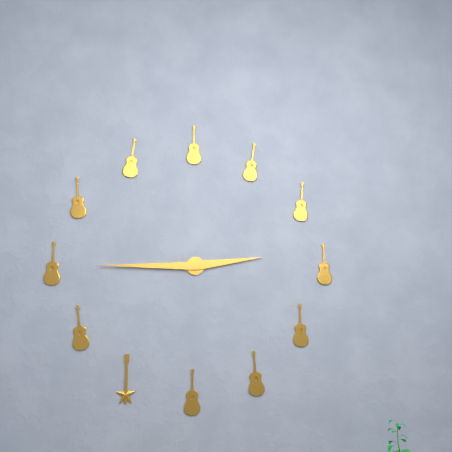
2:45
